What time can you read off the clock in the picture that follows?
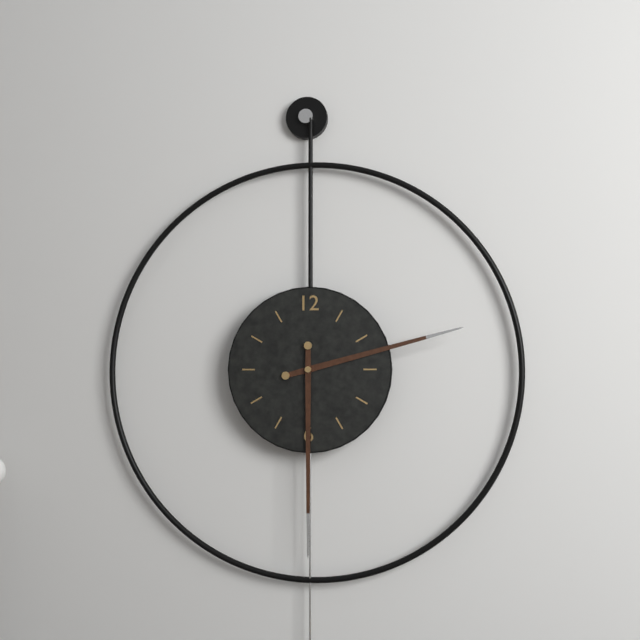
2:30
